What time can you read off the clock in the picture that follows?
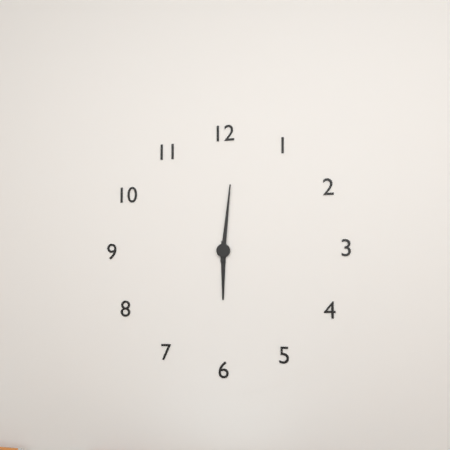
6:01
